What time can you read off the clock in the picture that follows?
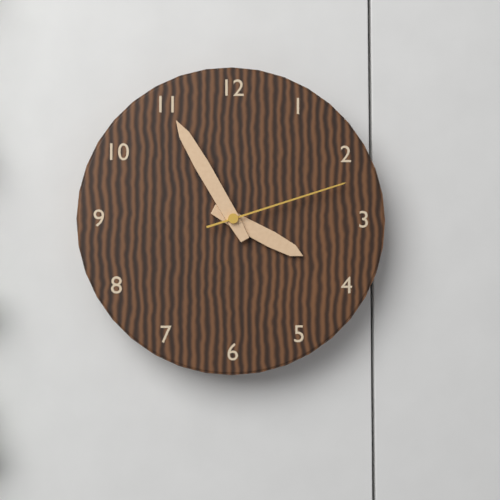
3:55:12
